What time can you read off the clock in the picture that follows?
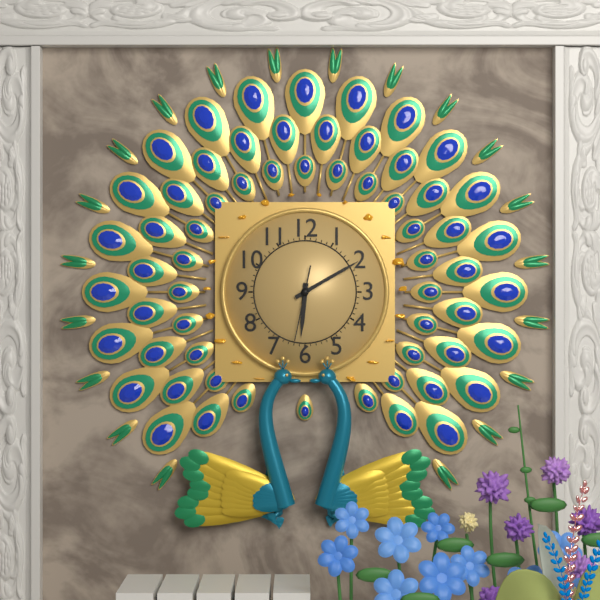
6:10:32
